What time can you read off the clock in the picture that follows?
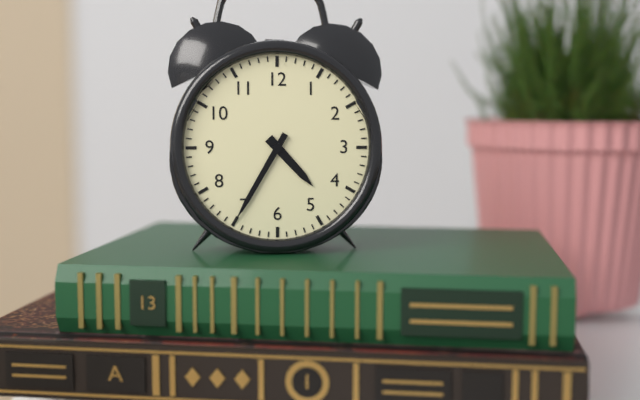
4:35
